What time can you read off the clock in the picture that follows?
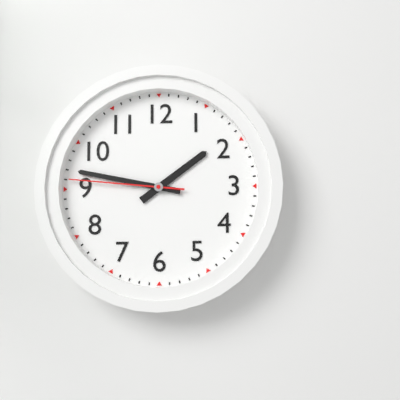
1:47:46
